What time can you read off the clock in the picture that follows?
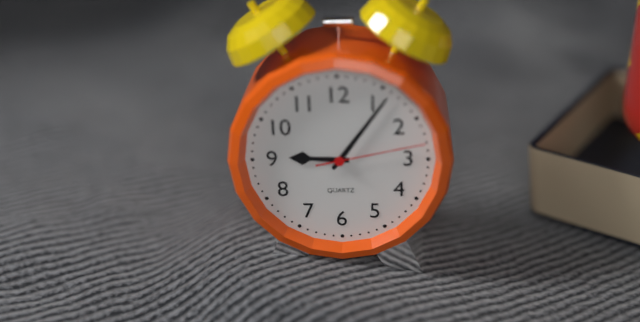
9:06:13
